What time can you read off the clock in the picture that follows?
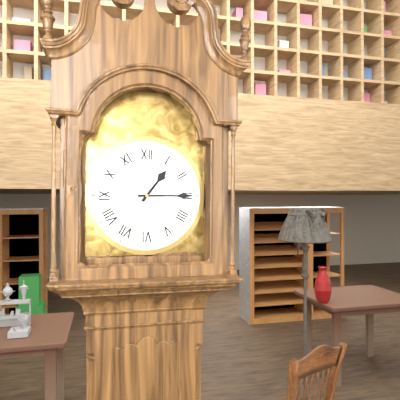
1:15
